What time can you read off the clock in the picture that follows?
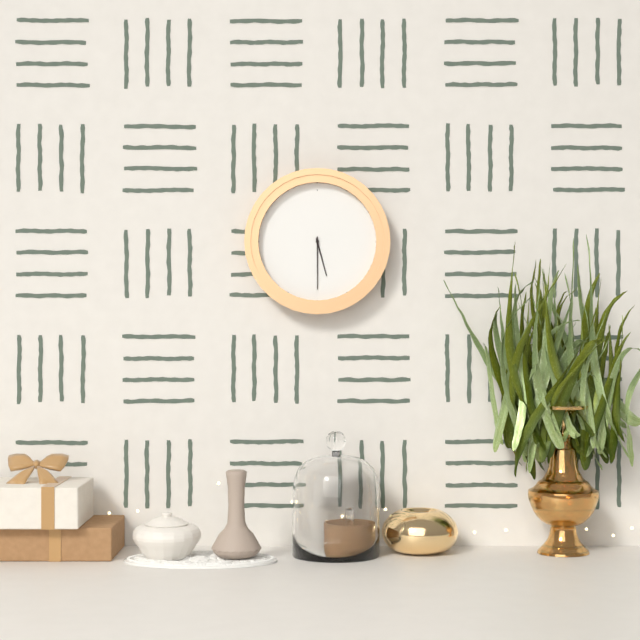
5:30
